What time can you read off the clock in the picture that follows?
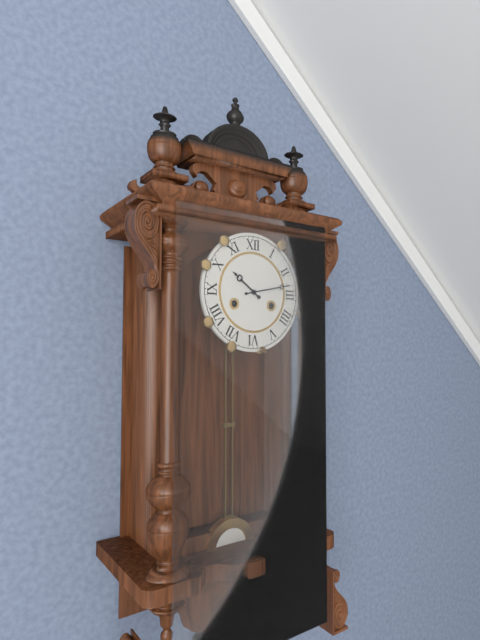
10:13
